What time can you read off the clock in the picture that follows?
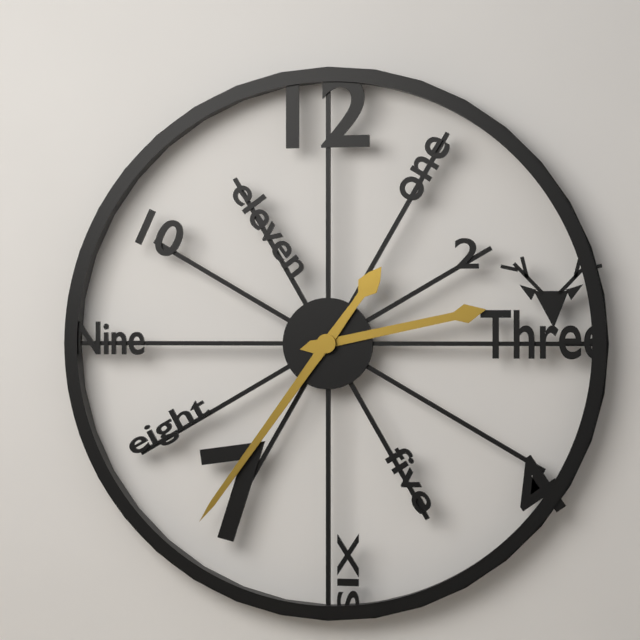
2:36
